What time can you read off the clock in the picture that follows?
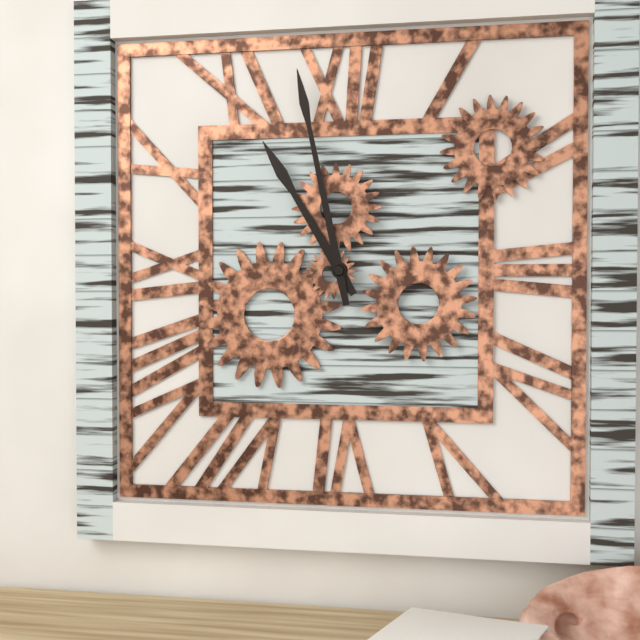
10:58
